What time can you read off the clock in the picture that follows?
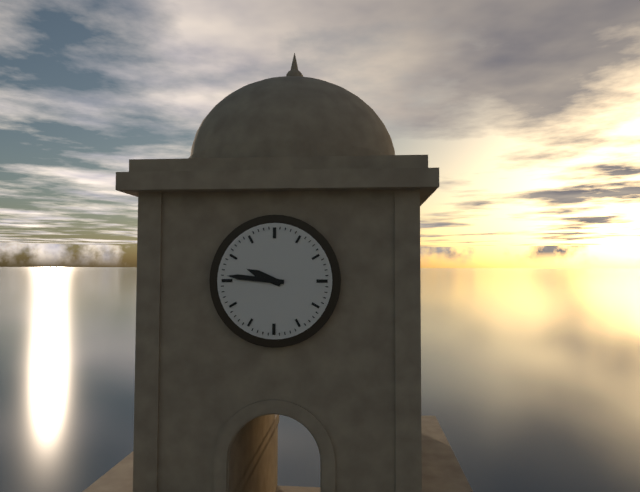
9:46
